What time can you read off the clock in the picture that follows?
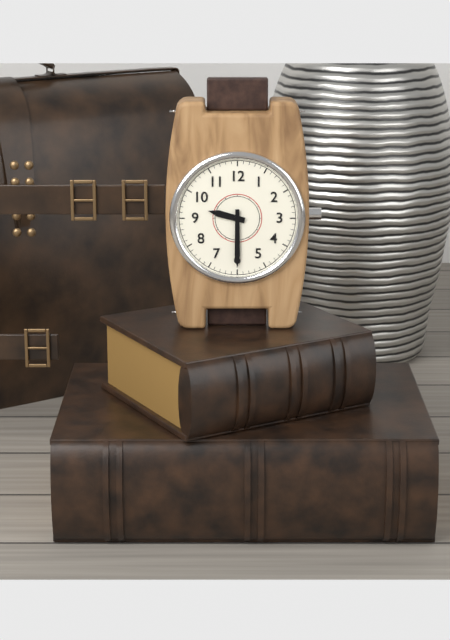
9:30
